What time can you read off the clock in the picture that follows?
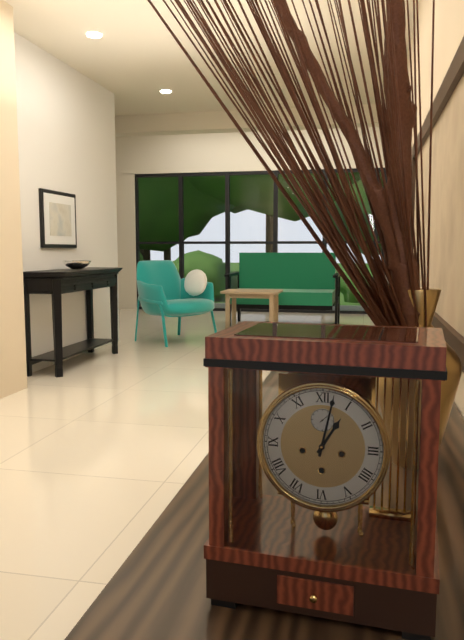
1:02
